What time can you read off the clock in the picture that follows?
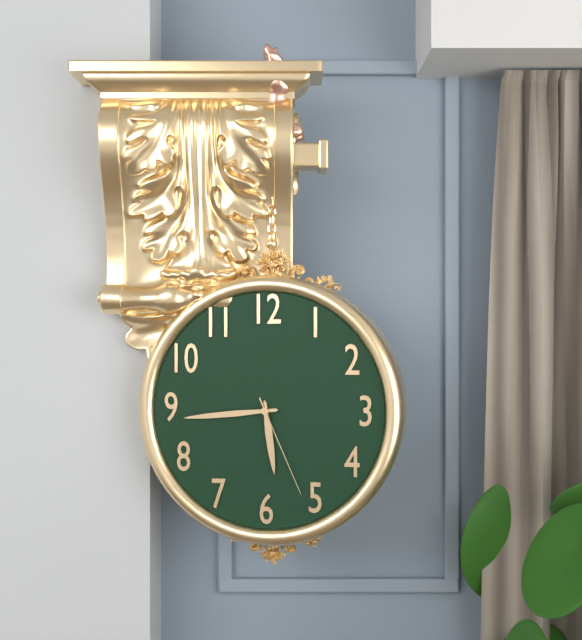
5:44:26
